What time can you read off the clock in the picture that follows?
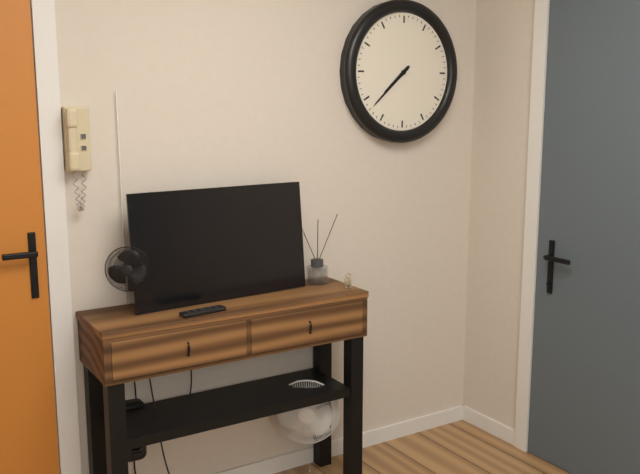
7:38
